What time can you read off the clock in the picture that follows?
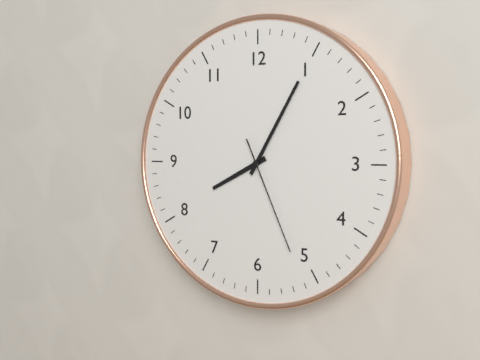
8:05:26
